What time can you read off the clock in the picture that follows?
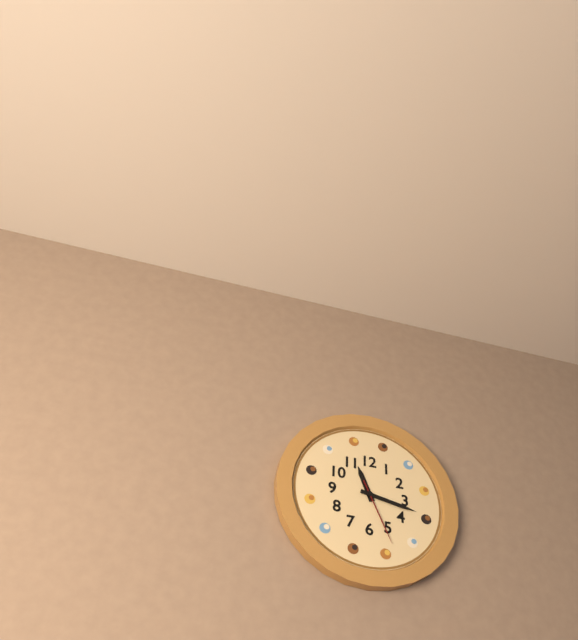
11:17:26
